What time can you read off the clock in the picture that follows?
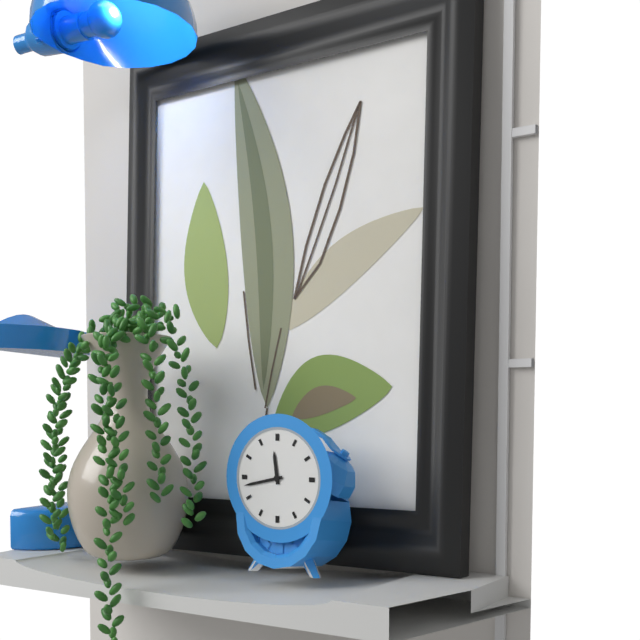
11:43
